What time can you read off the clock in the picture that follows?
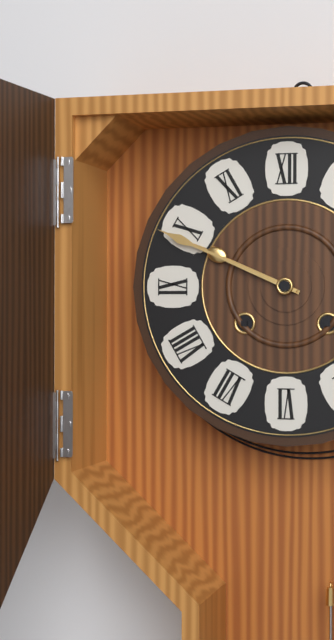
9:49
